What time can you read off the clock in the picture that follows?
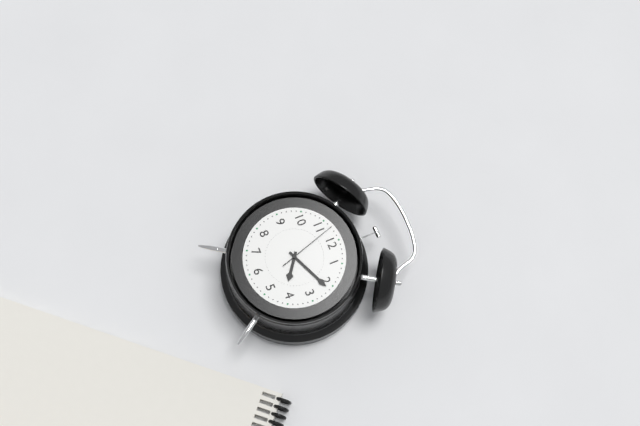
4:11:57
